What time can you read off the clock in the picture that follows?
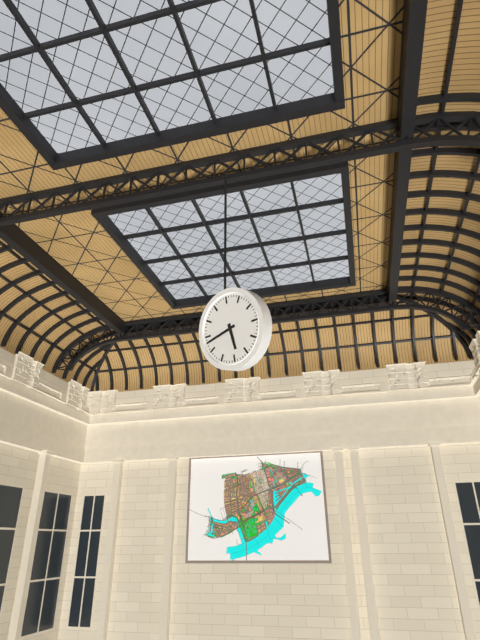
5:43
